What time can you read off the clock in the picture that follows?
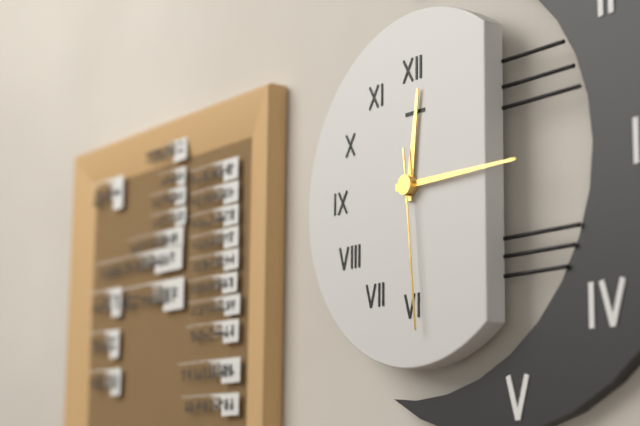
12:15:29
